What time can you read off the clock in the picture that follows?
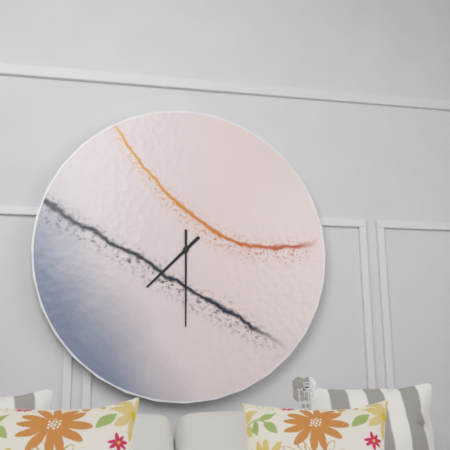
7:30
